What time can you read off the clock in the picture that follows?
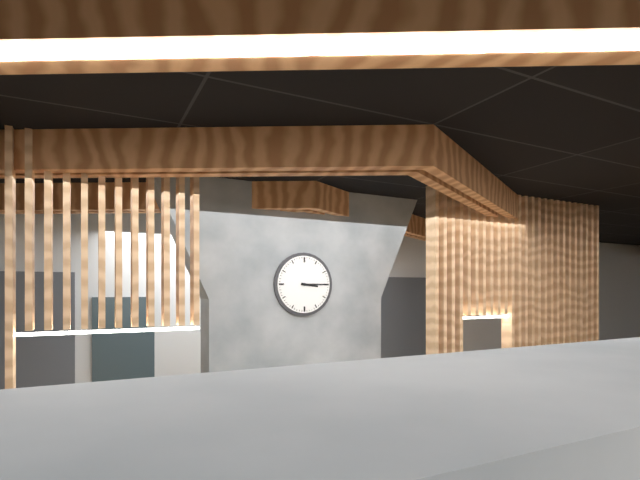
3:15
